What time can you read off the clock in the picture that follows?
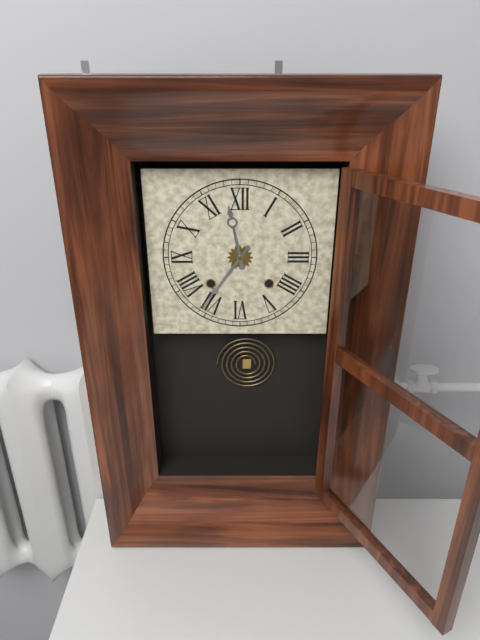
11:36
